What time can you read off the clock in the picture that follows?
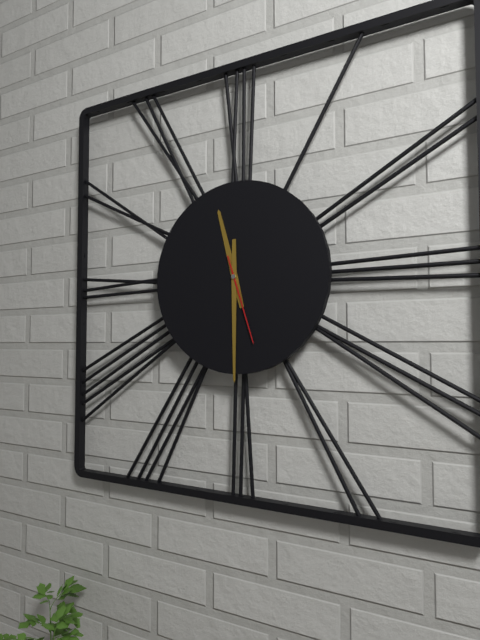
11:30:27
